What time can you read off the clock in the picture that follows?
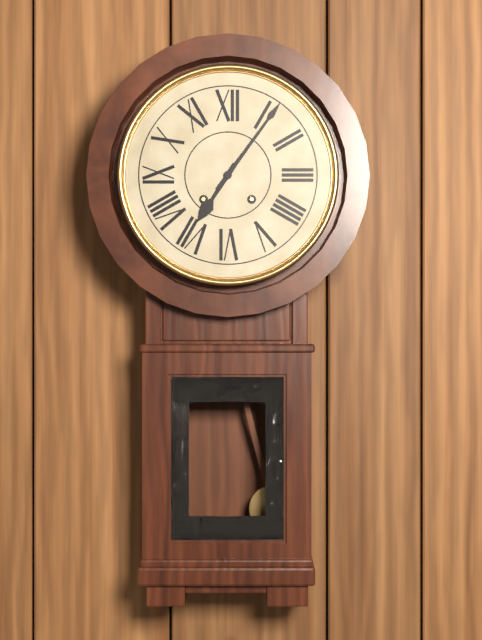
7:06
